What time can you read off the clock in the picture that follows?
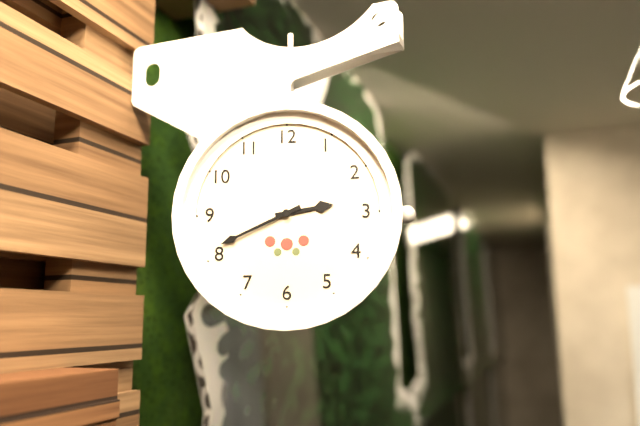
2:41
